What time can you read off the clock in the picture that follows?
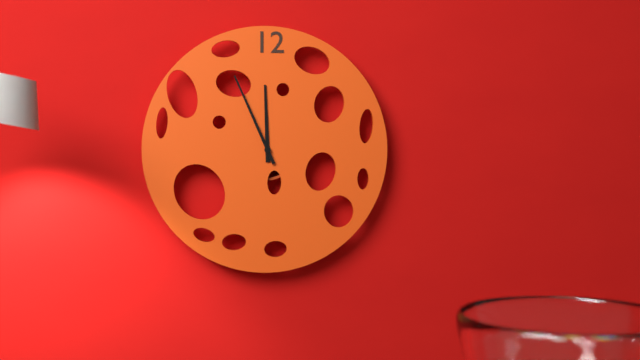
11:56
